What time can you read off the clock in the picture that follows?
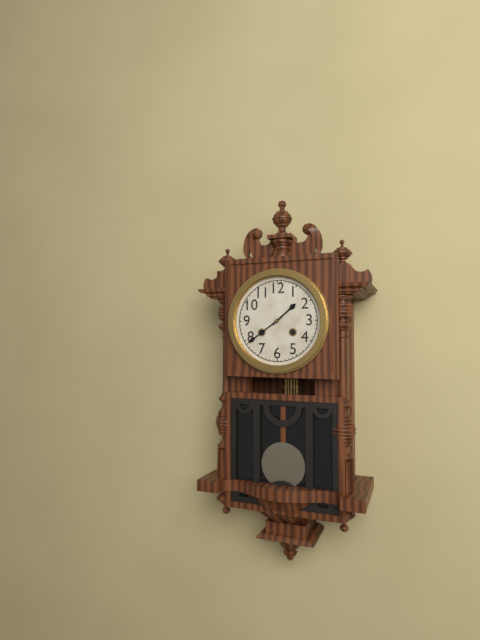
1:39
